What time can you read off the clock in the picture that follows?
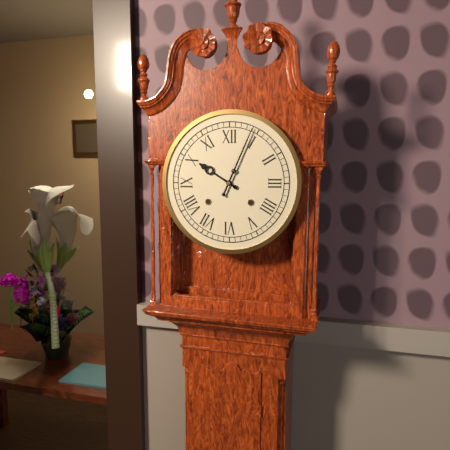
10:04
